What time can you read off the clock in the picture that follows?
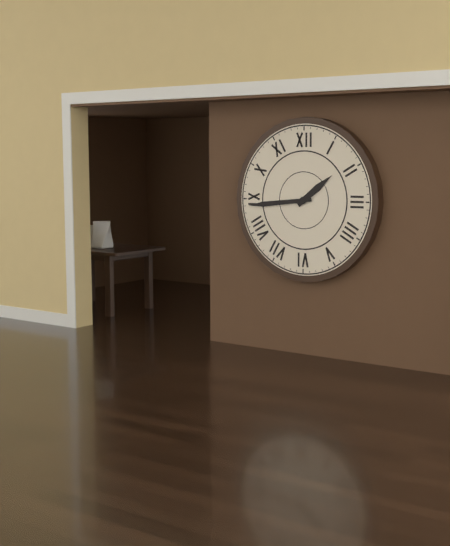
1:44
